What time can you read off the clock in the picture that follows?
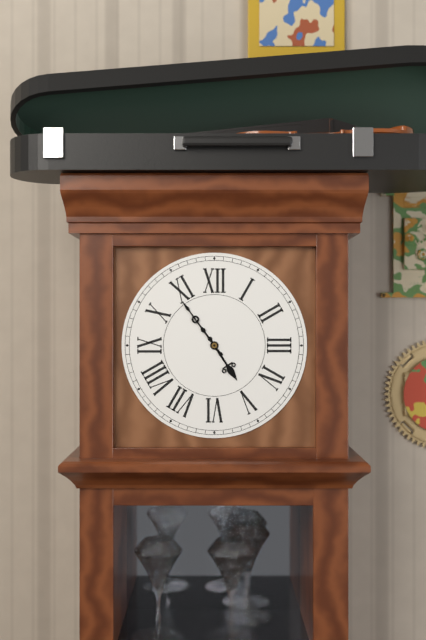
4:54
